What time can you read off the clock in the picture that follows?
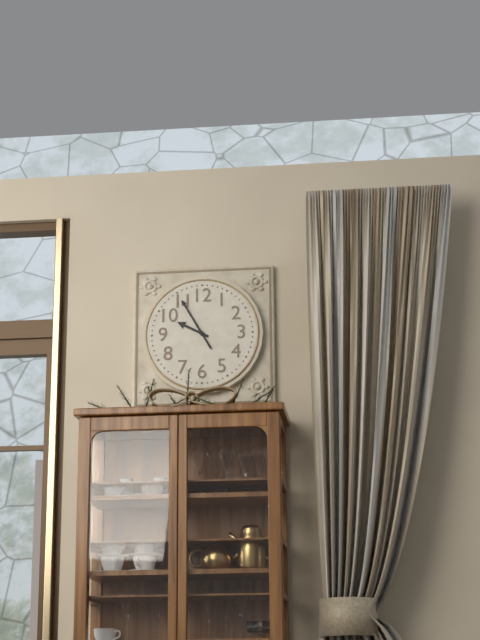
9:55
